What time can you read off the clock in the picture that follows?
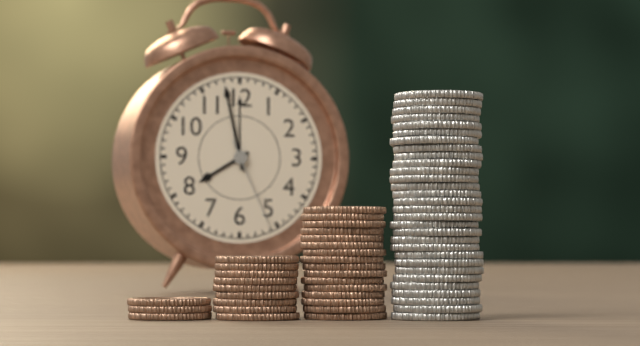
7:58:26
